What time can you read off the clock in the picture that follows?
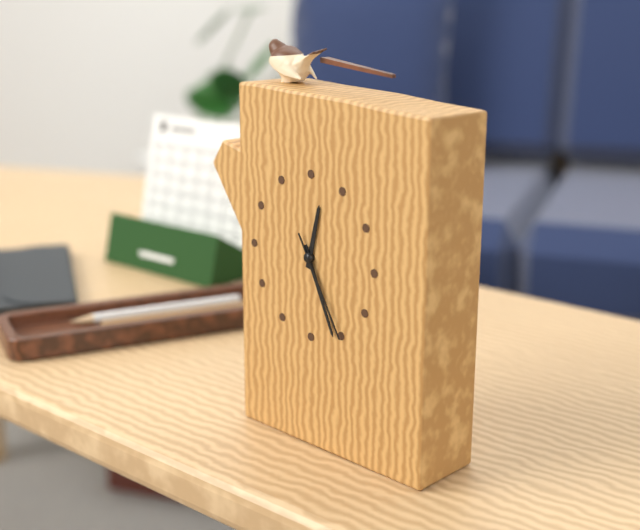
12:26:25
